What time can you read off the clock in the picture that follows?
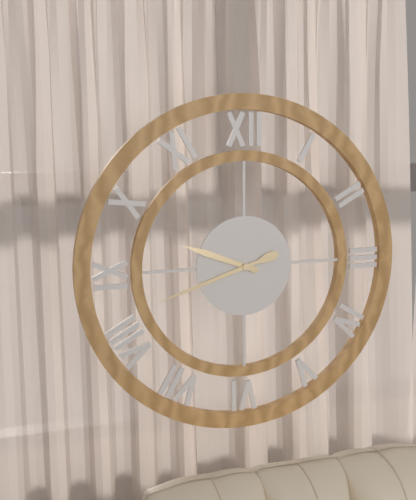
9:42
